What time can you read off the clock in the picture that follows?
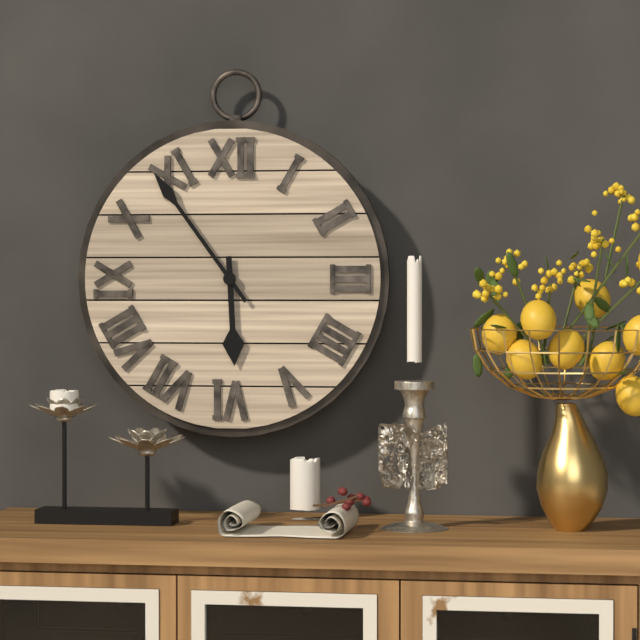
5:54
